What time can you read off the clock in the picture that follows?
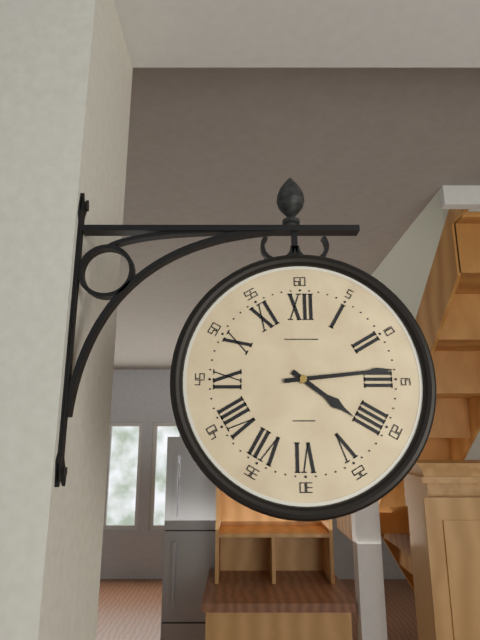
4:14
